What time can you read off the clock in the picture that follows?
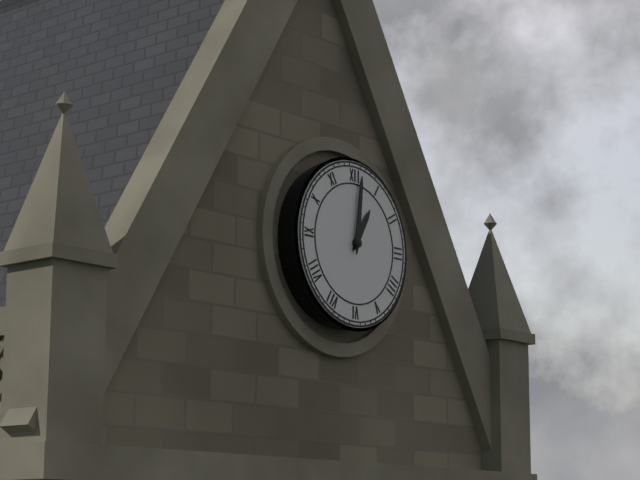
1:01
